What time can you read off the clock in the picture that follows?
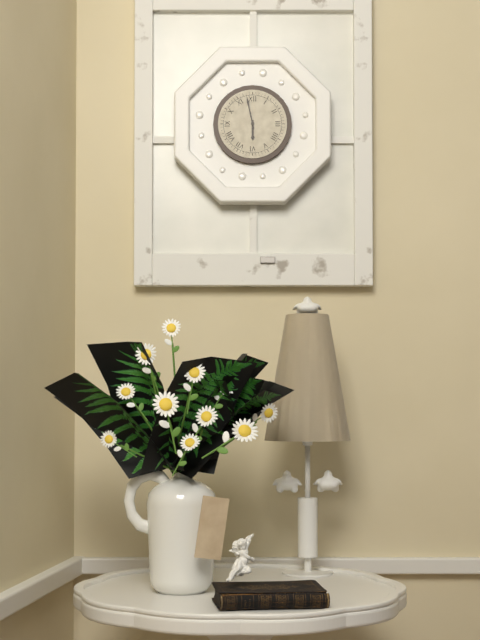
5:58
